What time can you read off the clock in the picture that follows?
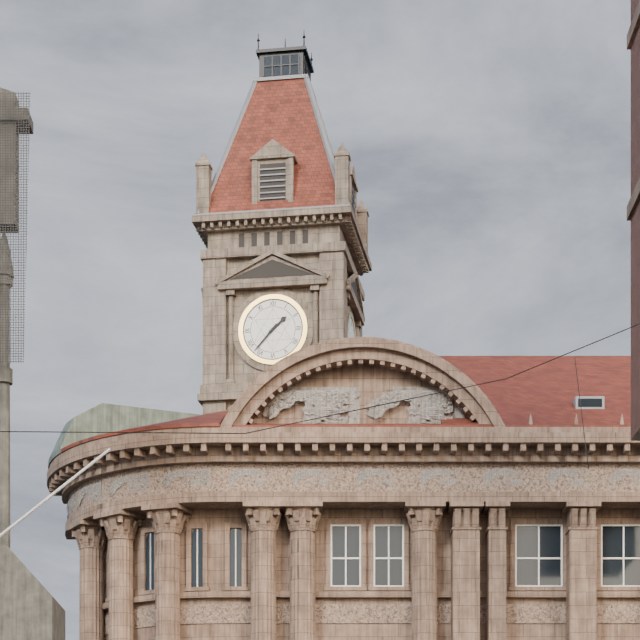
1:37
